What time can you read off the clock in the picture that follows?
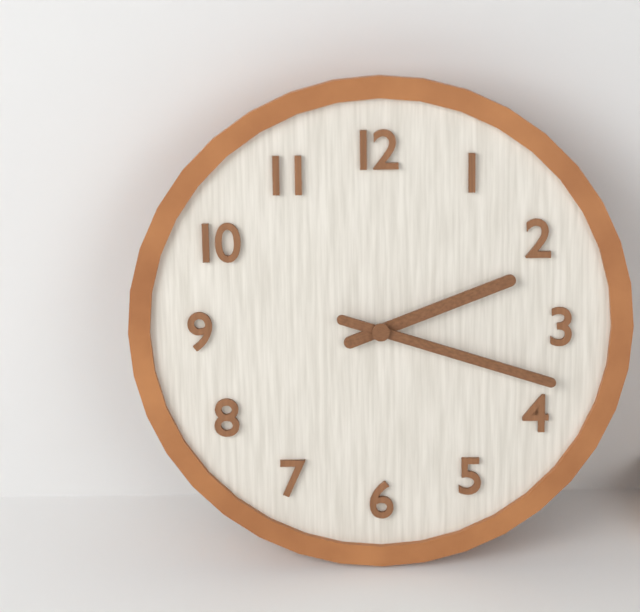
2:18
